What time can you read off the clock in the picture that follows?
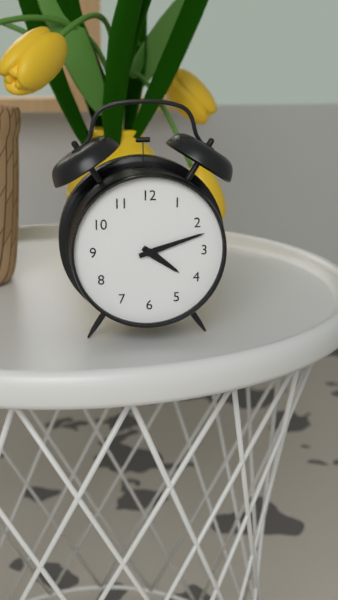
4:12
